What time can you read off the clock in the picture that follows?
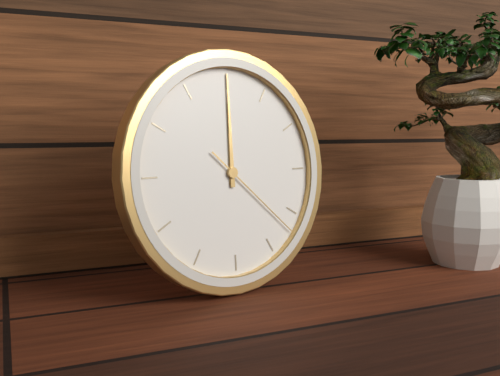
12:00:22
